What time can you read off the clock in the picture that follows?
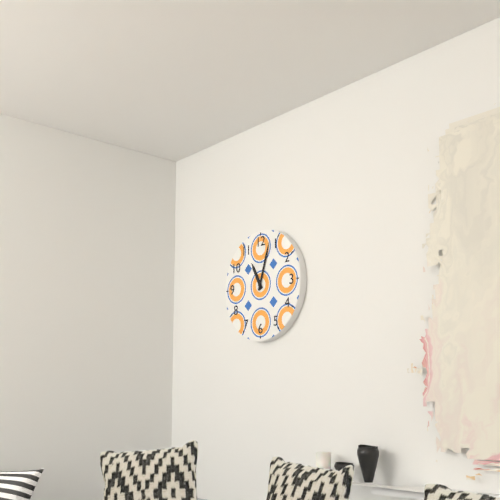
11:03
